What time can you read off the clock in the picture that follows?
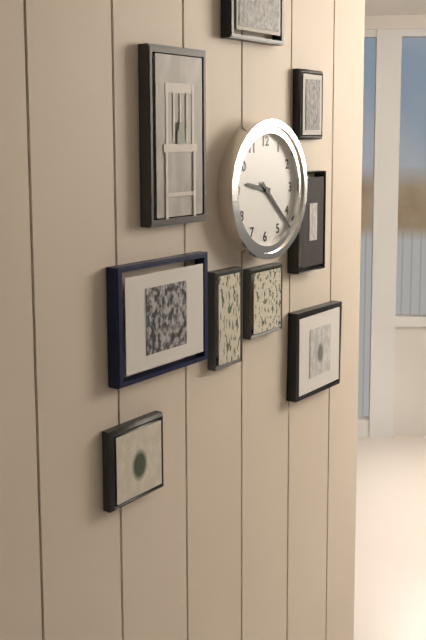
9:22
